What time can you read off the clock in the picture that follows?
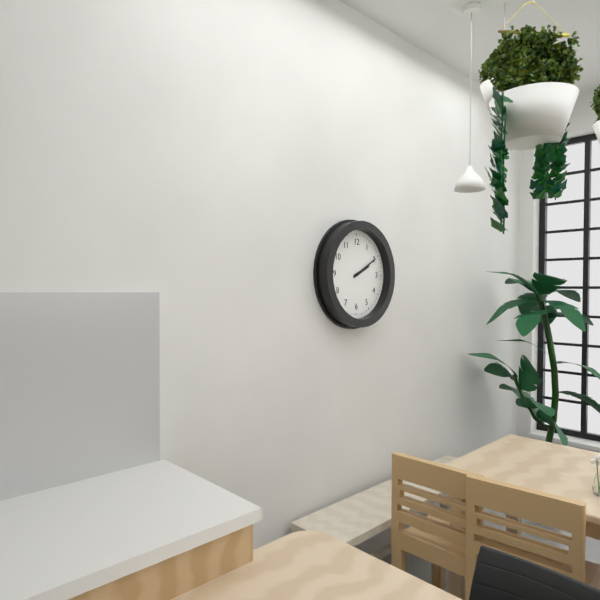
2:10
